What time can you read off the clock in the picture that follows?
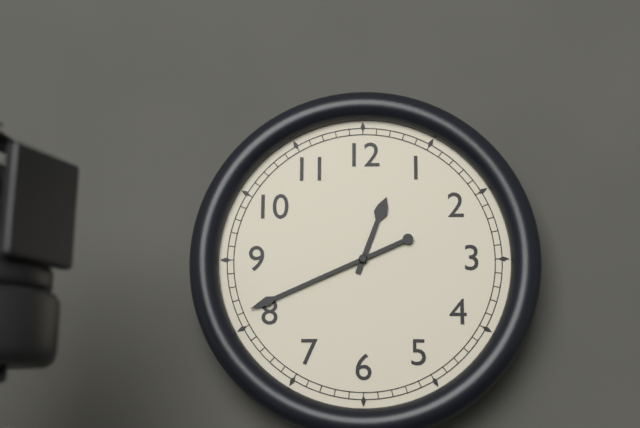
12:41
